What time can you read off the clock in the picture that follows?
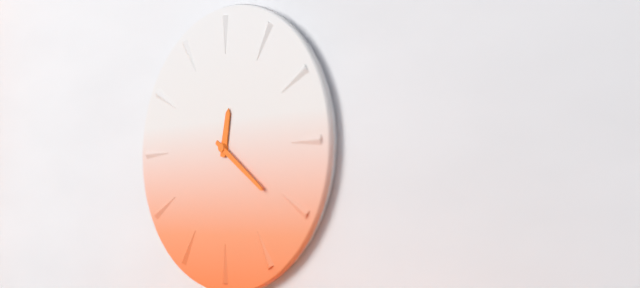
12:21
